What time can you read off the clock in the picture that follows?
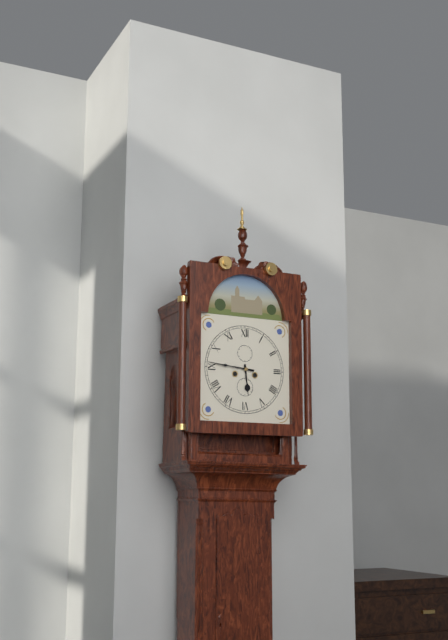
5:46
